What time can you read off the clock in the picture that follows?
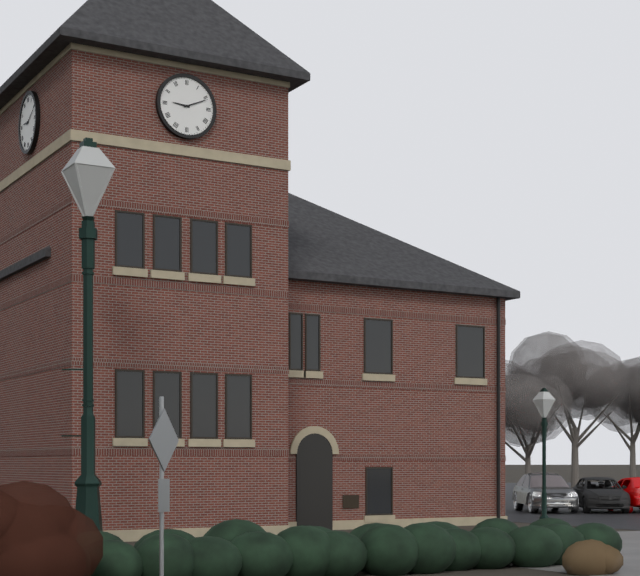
9:11
